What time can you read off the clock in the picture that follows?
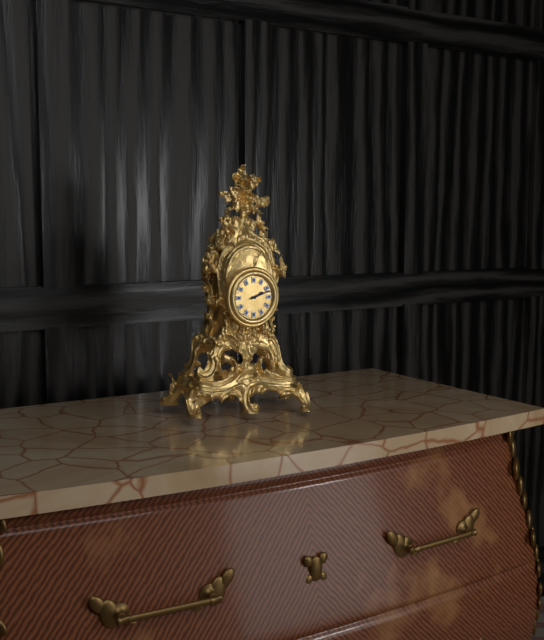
2:12
